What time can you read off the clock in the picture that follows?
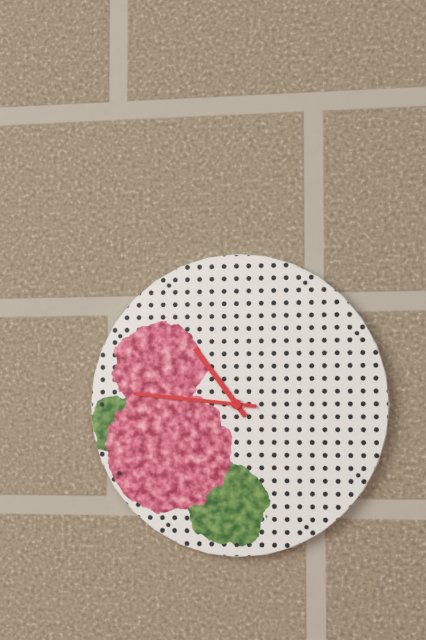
10:46
